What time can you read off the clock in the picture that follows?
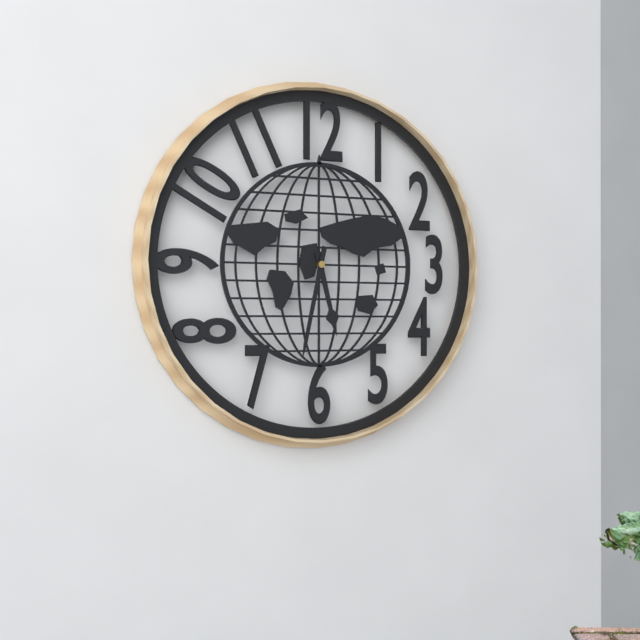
5:32
